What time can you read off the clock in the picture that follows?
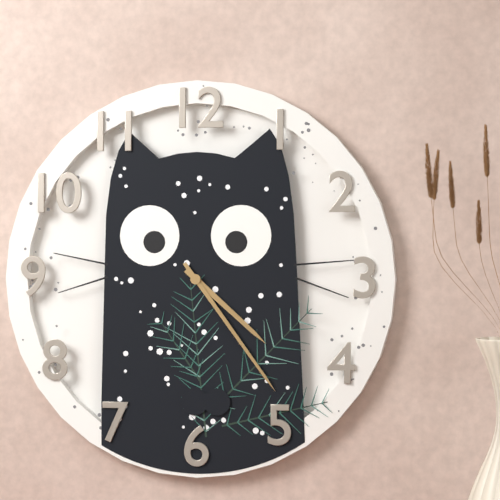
4:24
